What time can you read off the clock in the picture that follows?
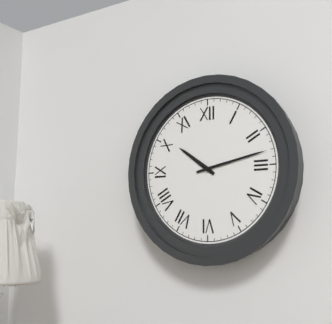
10:13
